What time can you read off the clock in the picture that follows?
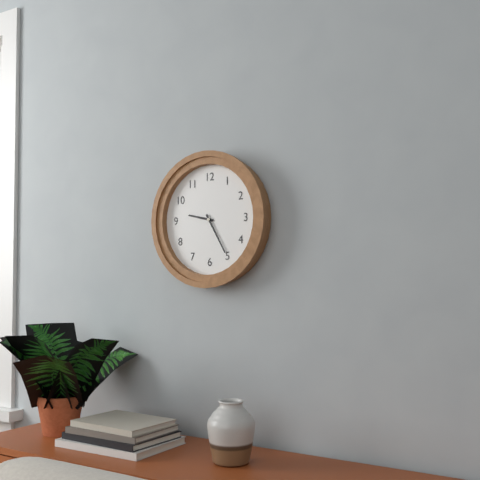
9:25
